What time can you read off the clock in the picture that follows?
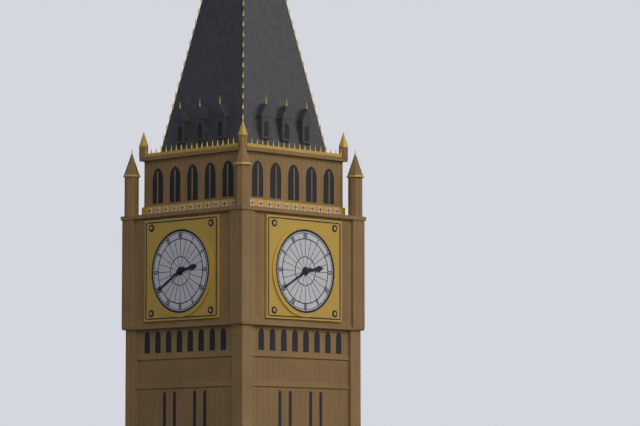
2:40
